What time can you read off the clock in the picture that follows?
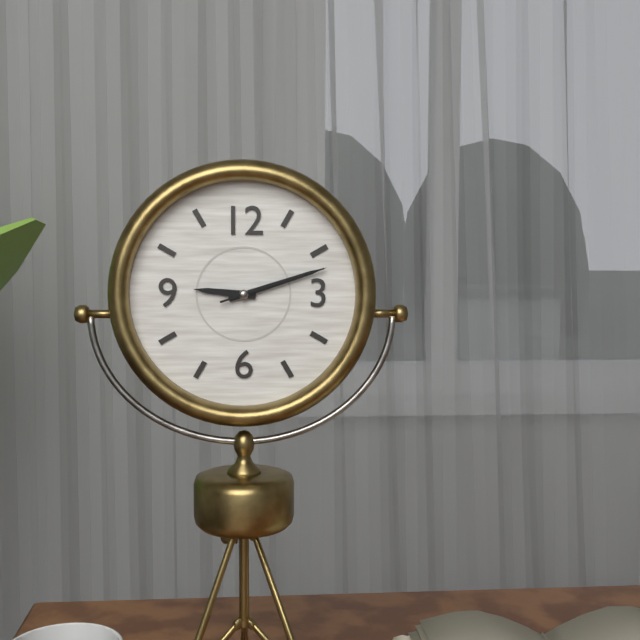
9:12:12
